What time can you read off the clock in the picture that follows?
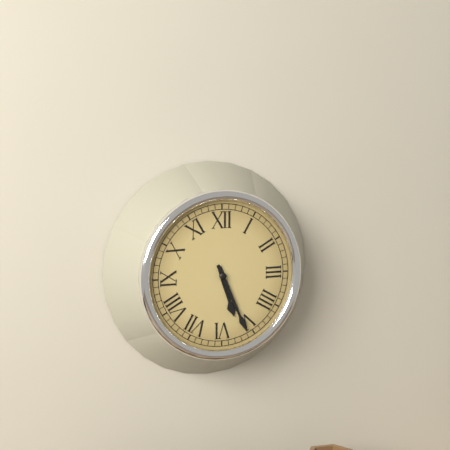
5:26
